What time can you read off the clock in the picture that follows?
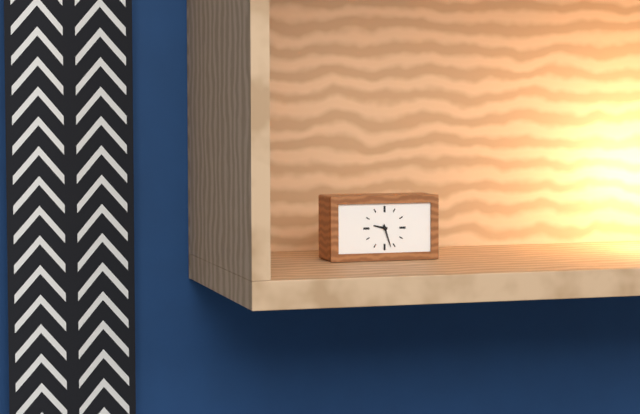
9:27
